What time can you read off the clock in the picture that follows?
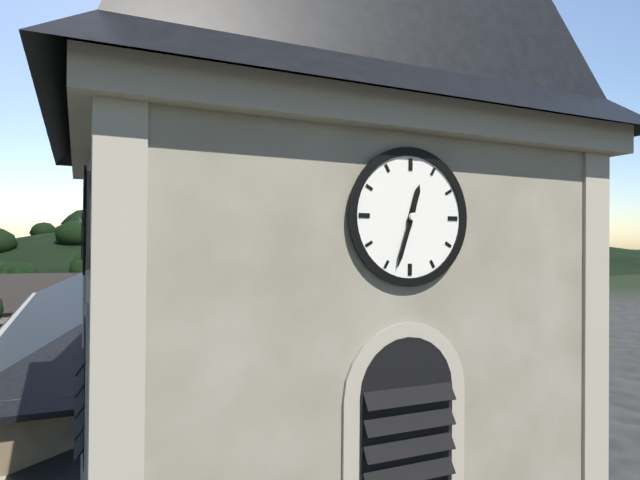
12:33
